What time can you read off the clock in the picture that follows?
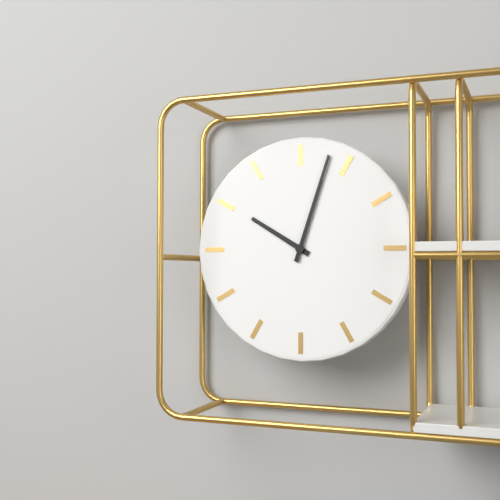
10:03
